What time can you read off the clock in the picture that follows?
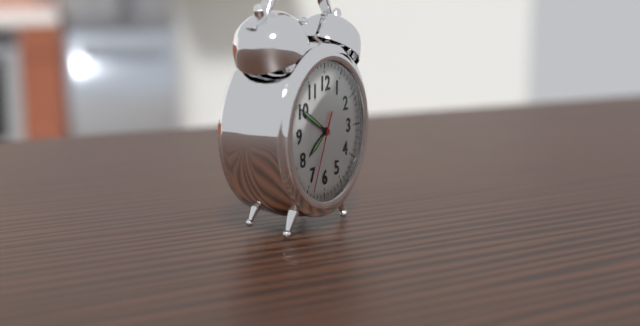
7:50:34
